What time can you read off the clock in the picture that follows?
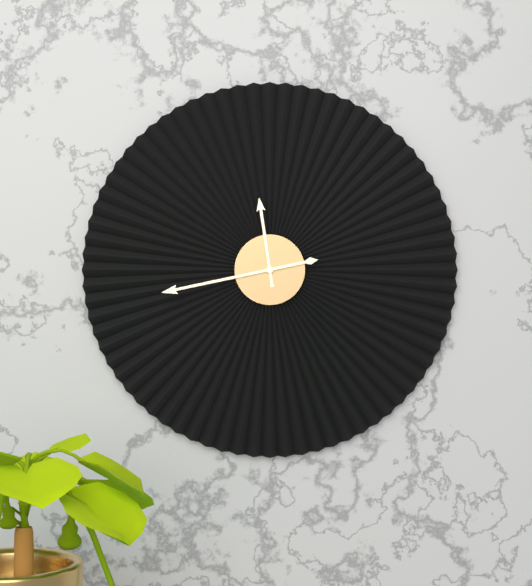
11:43
